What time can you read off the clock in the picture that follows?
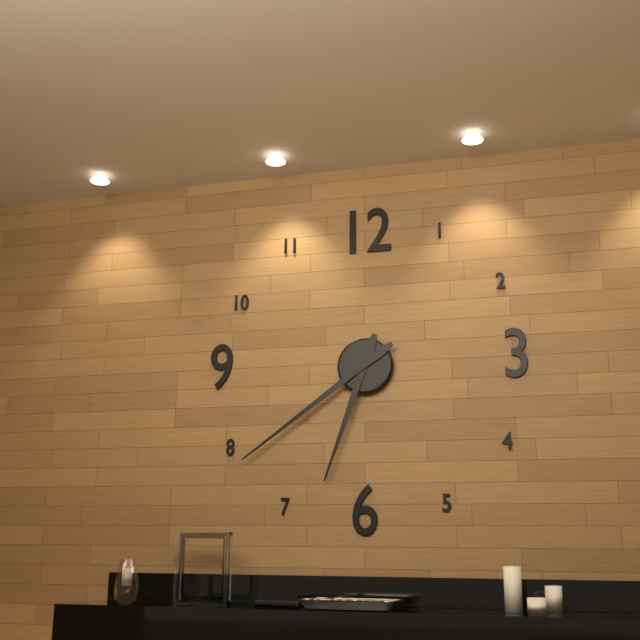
6:39
